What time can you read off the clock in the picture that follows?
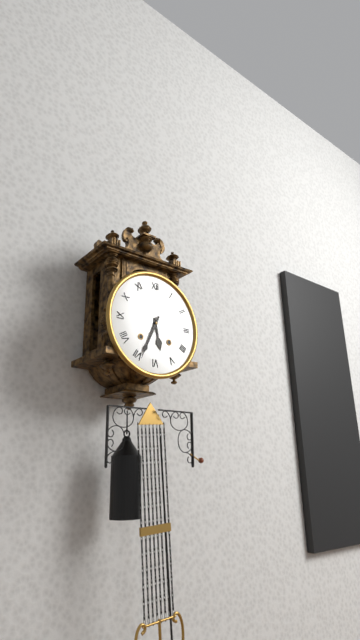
5:34
